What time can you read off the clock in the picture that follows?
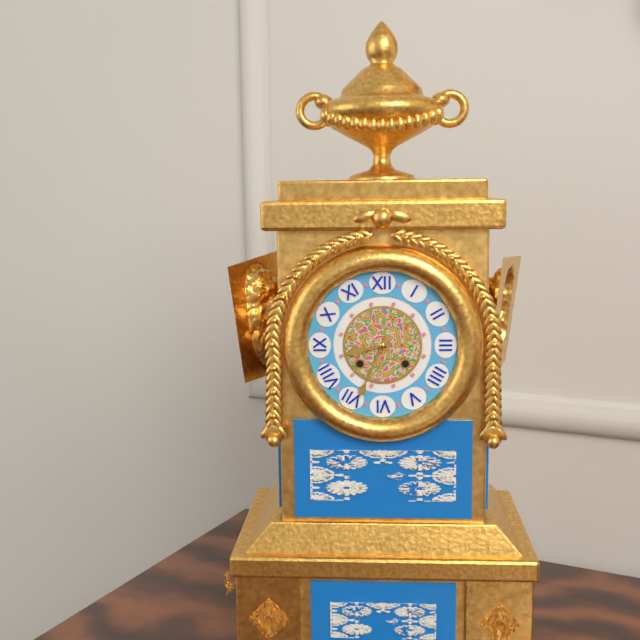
8:34
